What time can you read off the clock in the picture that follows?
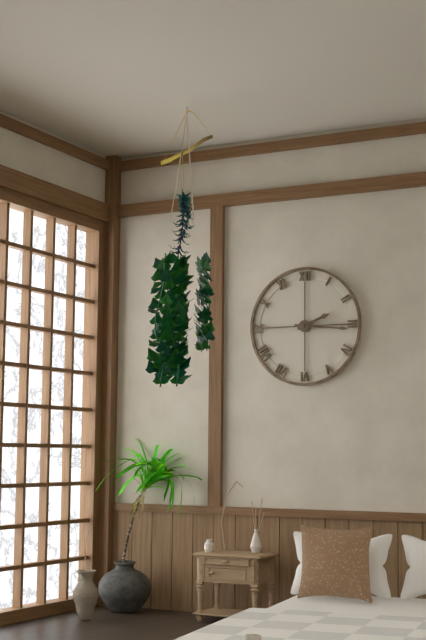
2:16
